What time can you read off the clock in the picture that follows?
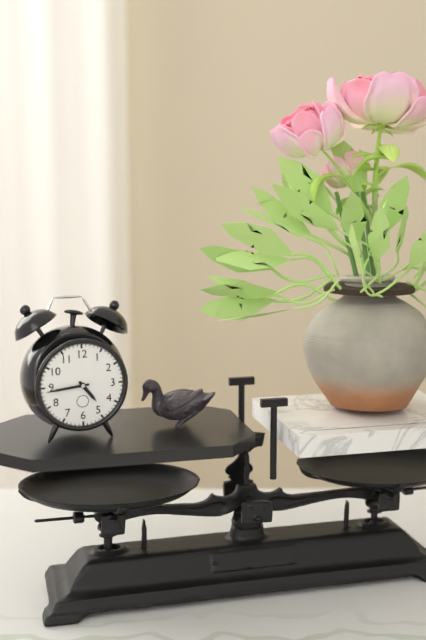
4:44
